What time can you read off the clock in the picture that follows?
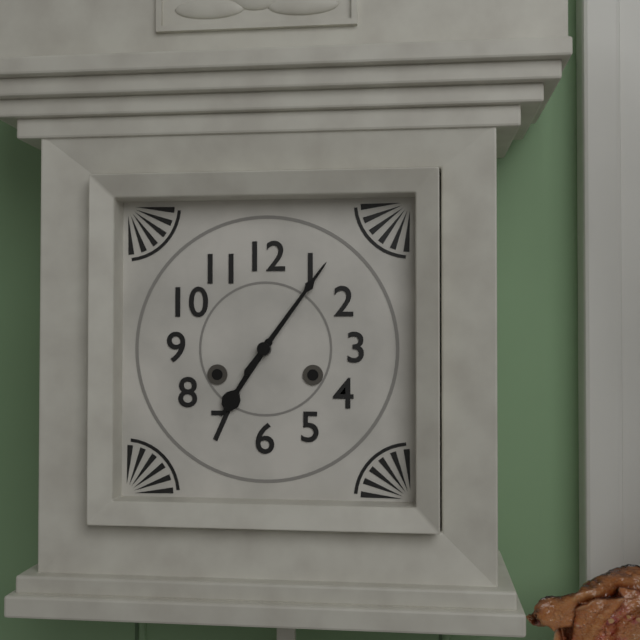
7:06
